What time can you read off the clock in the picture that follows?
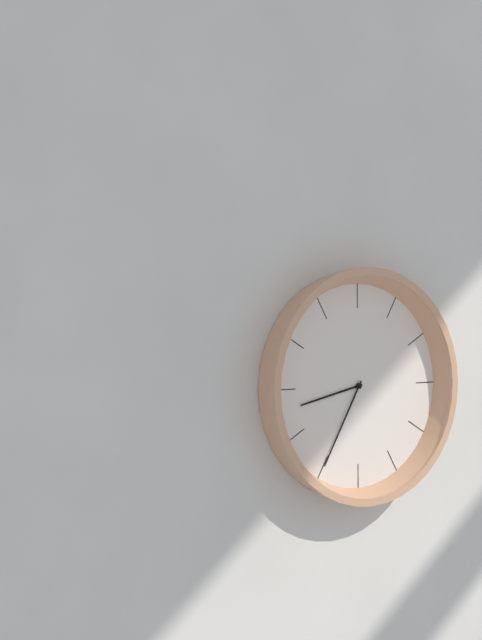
8:35
